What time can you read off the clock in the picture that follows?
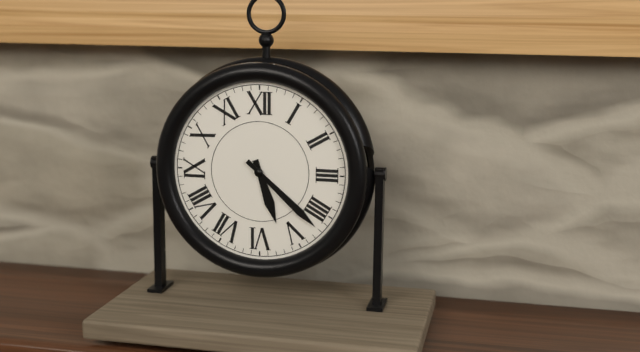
5:22
